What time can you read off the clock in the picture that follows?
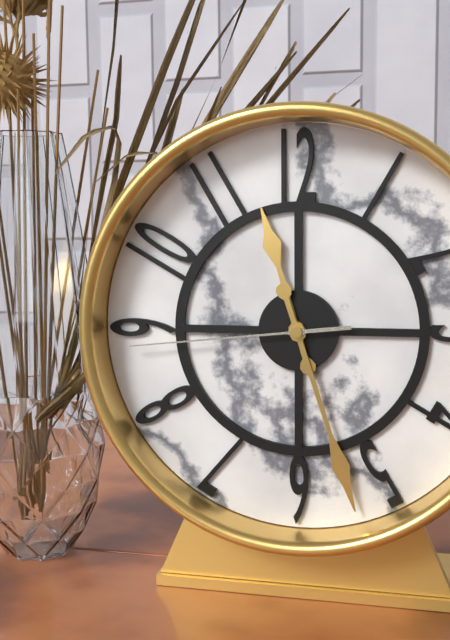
11:27:44
